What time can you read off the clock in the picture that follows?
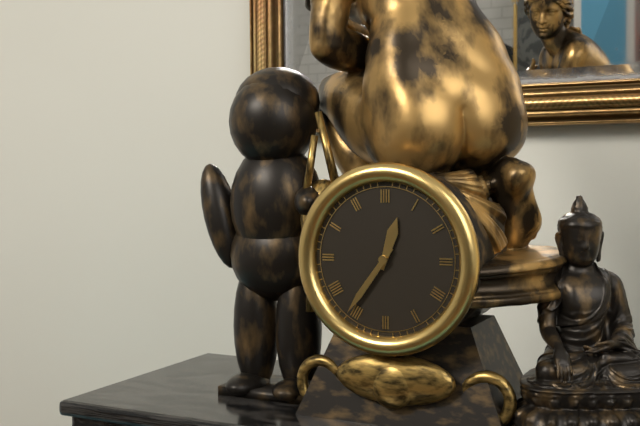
12:36
